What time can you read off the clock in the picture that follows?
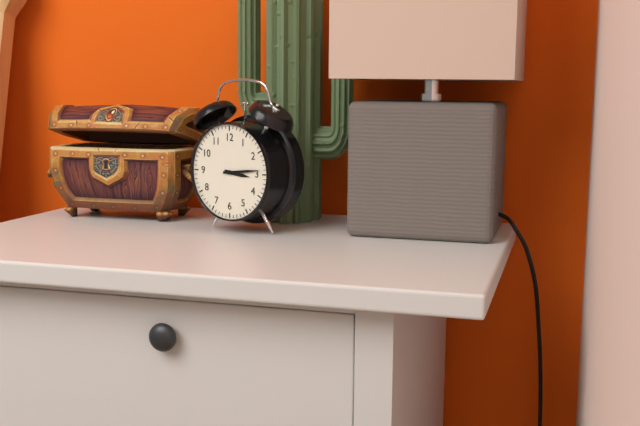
3:14
